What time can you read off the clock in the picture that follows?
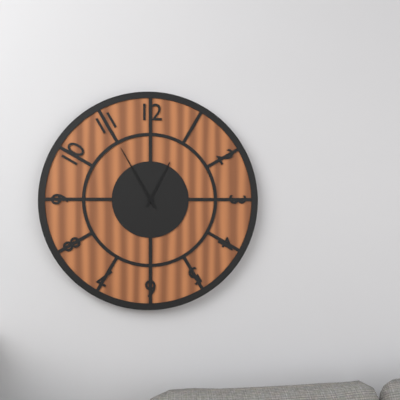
12:55
